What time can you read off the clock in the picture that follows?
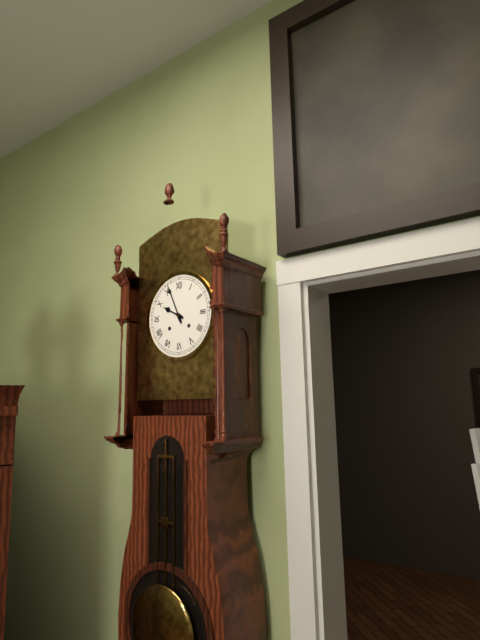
9:56
